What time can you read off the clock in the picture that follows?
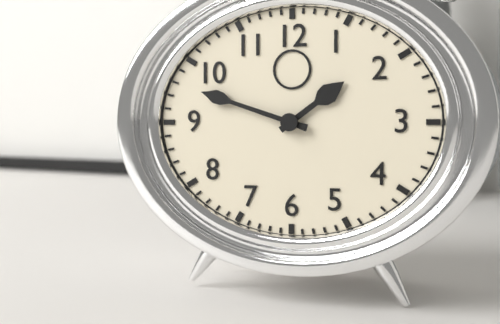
1:48
